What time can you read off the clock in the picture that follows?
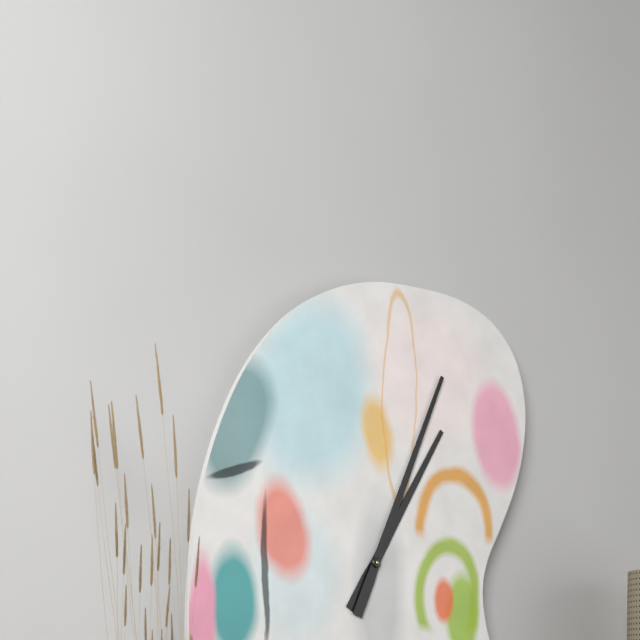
1:04
